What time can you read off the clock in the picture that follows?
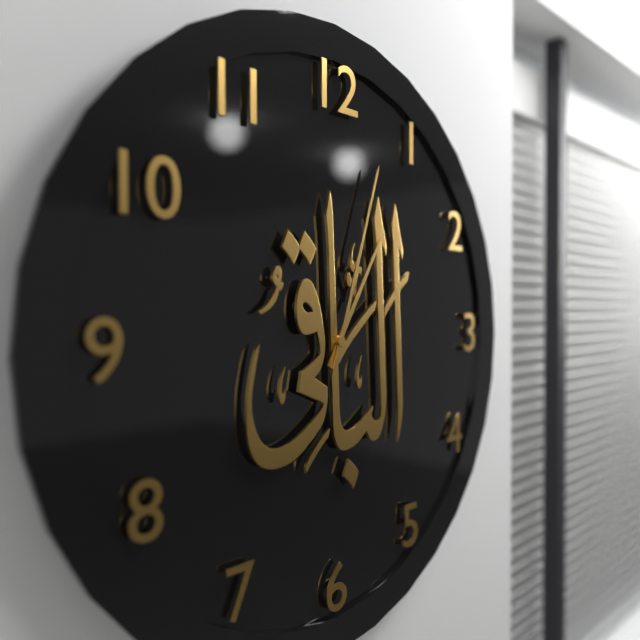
1:03
